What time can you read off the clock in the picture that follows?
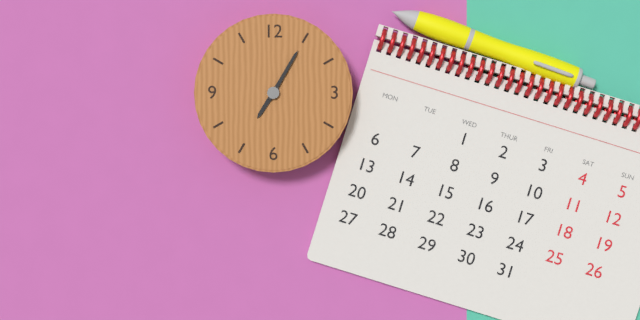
7:05
